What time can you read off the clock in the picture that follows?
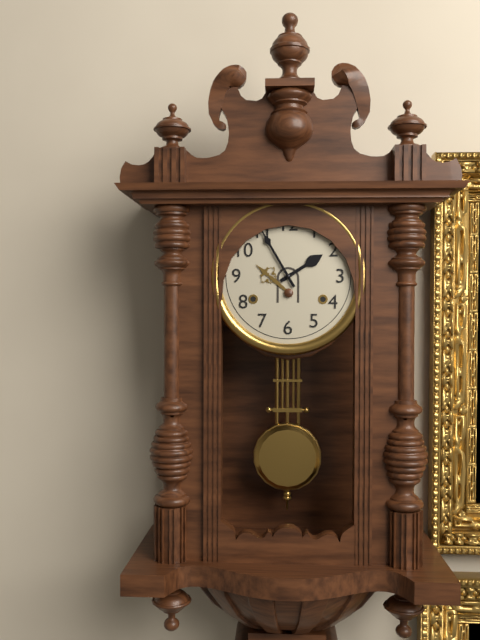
1:55
